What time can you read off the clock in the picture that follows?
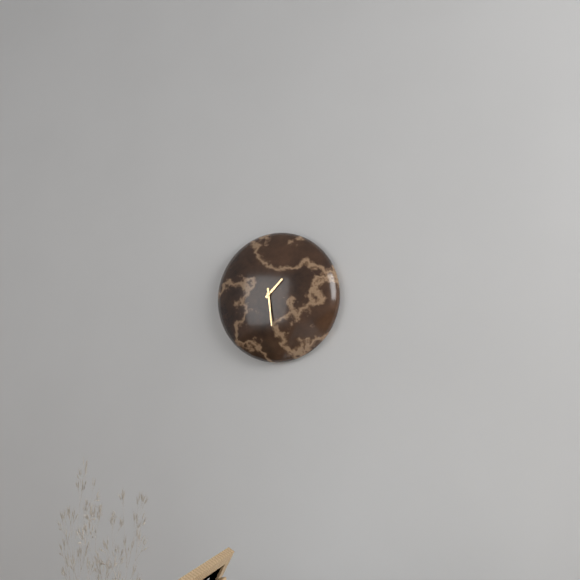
1:29
